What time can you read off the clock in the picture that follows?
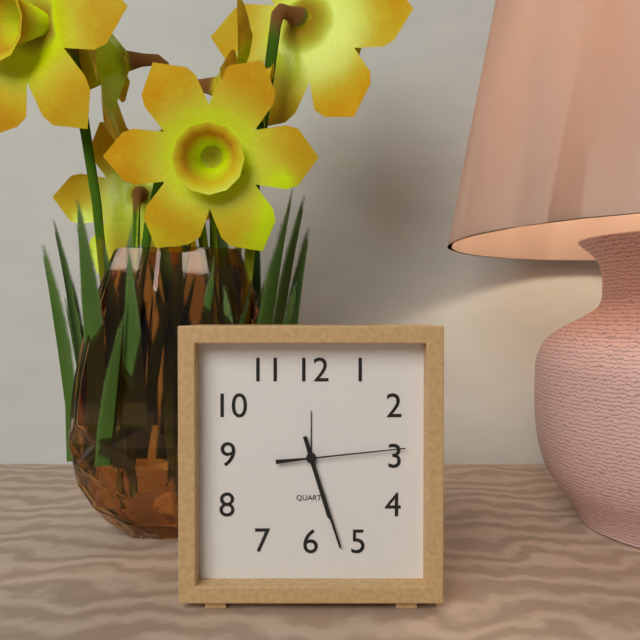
5:27:14
